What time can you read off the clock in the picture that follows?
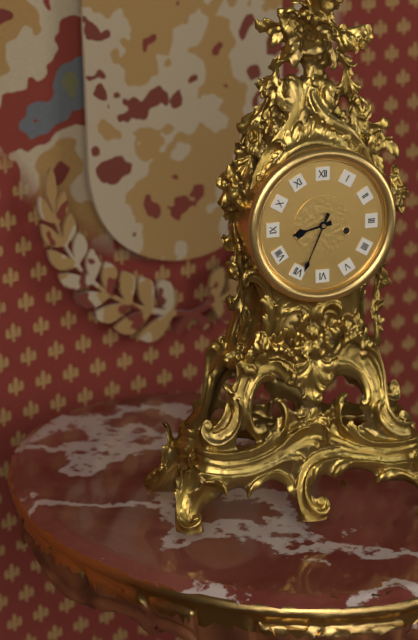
8:34
